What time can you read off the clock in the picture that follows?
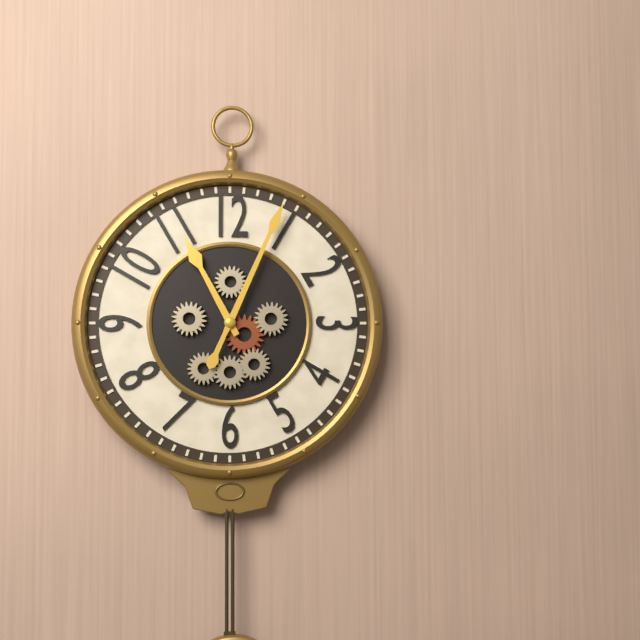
11:04
